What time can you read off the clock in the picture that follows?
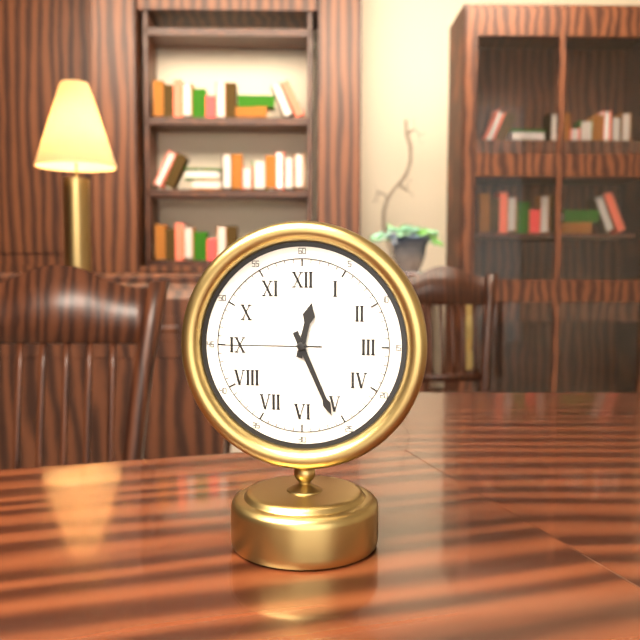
12:26:45
